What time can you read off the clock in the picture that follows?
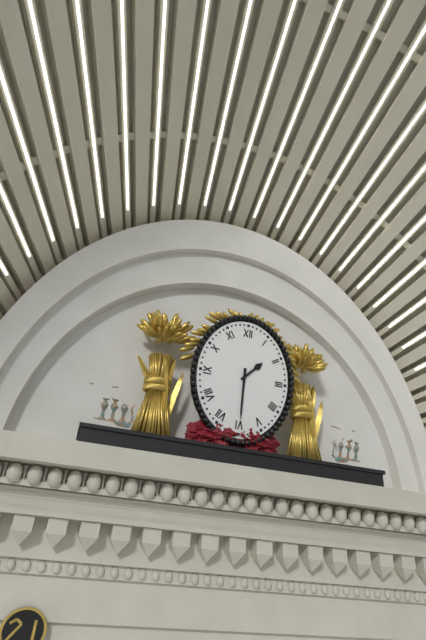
1:30
